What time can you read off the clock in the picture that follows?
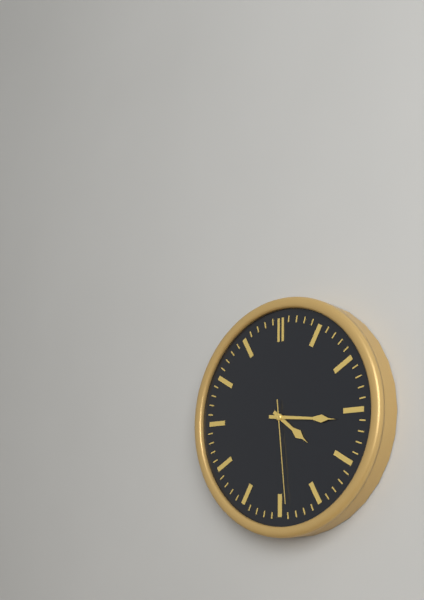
4:16:29
